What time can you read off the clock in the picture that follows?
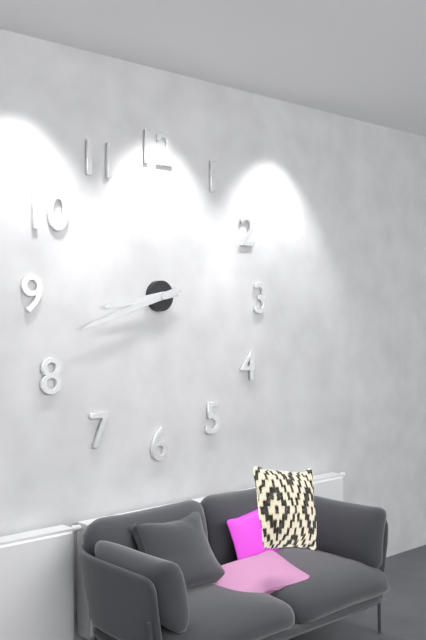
8:42
